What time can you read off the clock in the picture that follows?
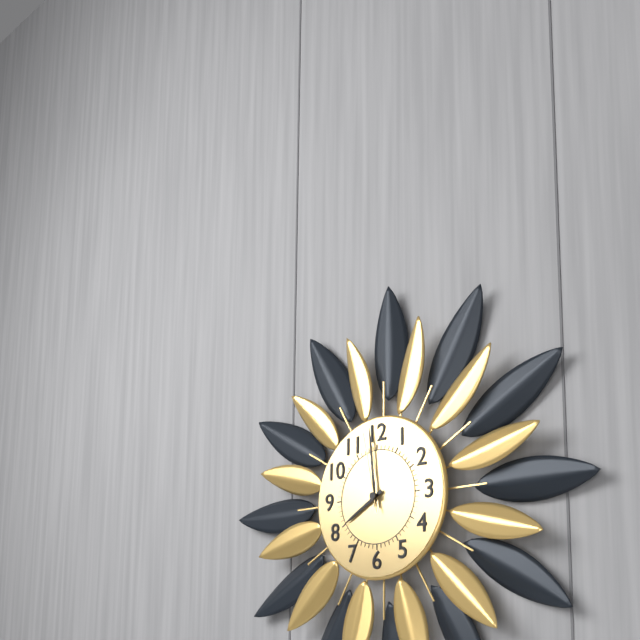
7:59:58
